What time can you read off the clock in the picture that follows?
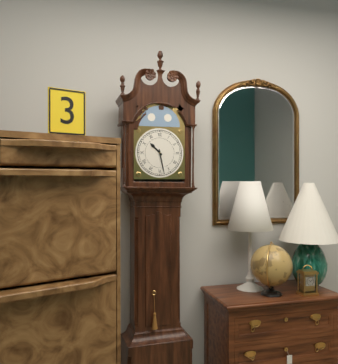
10:28
